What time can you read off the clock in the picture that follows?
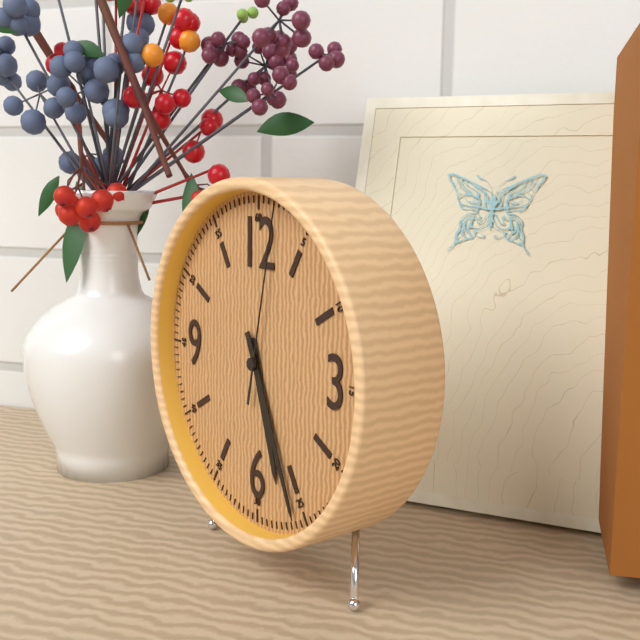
5:26:02
